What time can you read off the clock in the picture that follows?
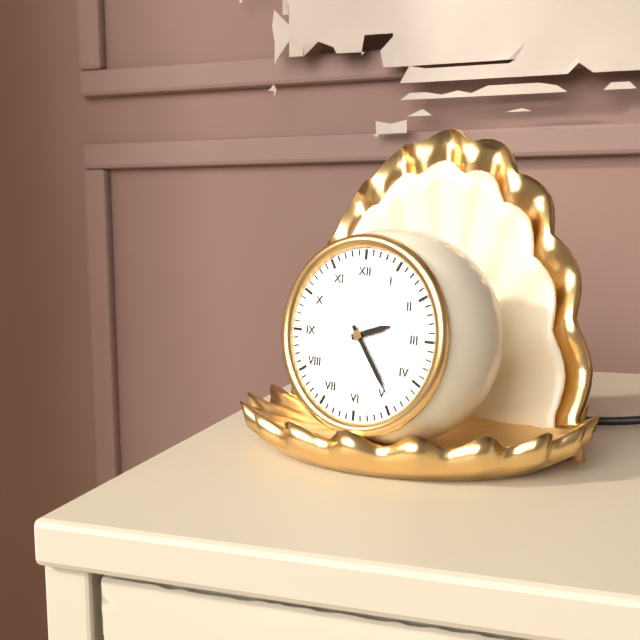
2:24
